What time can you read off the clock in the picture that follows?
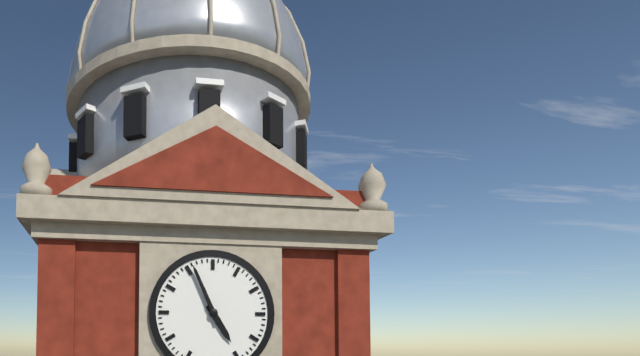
4:56
